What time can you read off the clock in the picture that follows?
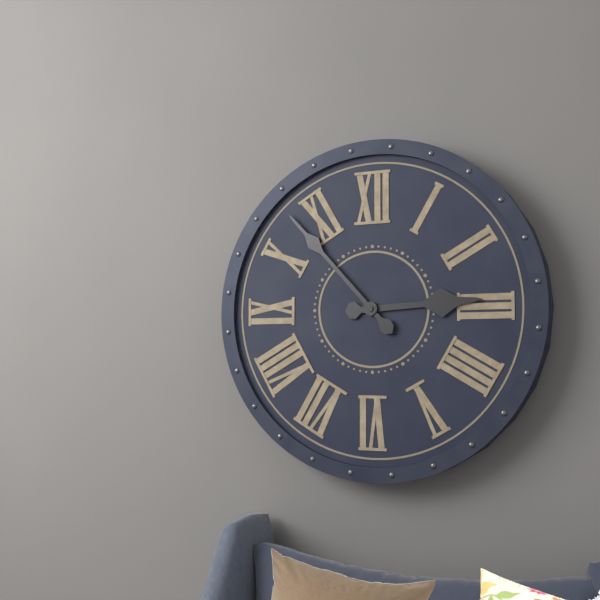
2:53
